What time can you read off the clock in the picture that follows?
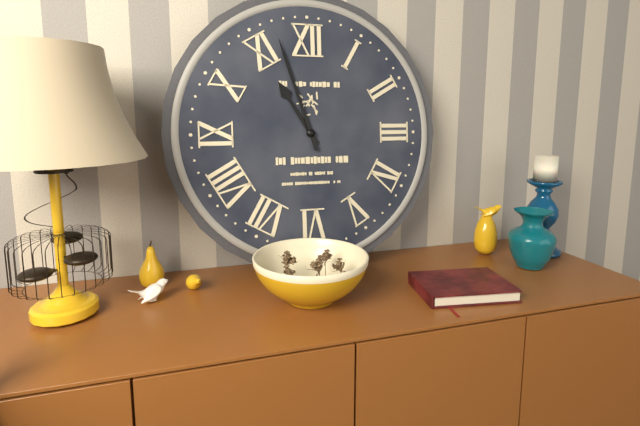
10:57
